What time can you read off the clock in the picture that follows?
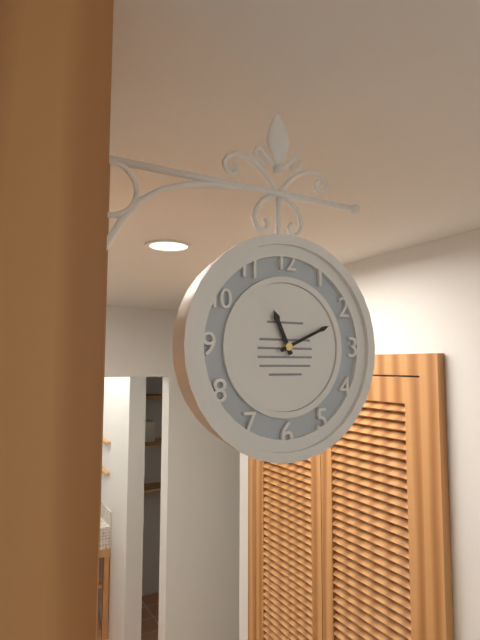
11:11
